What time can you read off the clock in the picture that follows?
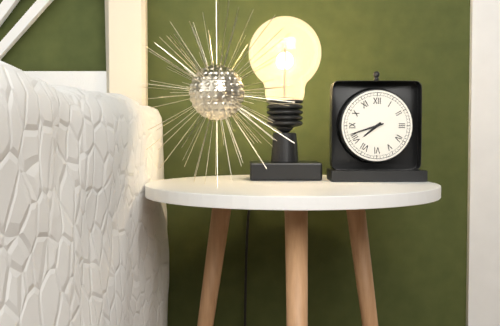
7:42
